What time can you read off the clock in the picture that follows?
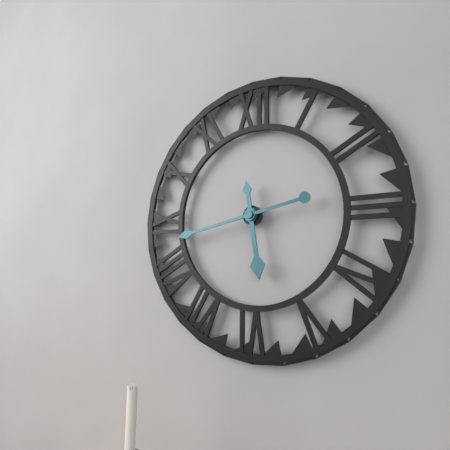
5:43
